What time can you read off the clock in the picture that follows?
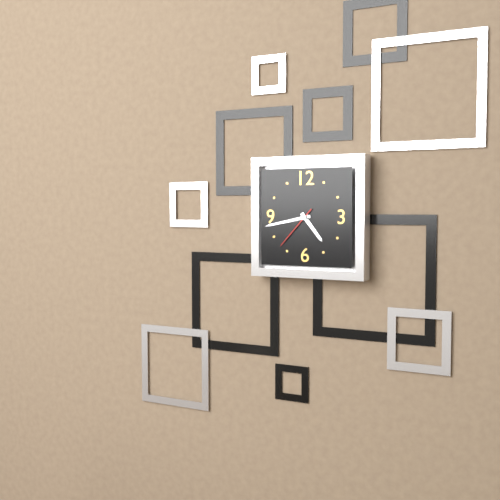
4:43
